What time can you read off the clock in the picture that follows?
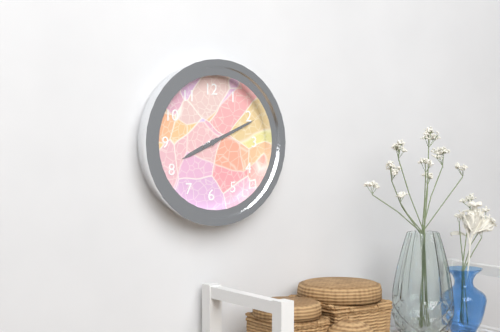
8:11
